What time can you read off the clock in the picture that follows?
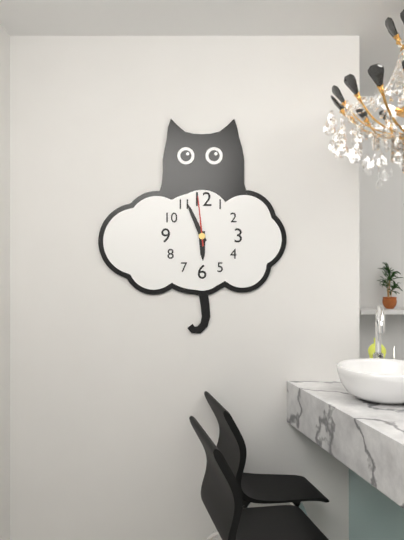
5:56:59
